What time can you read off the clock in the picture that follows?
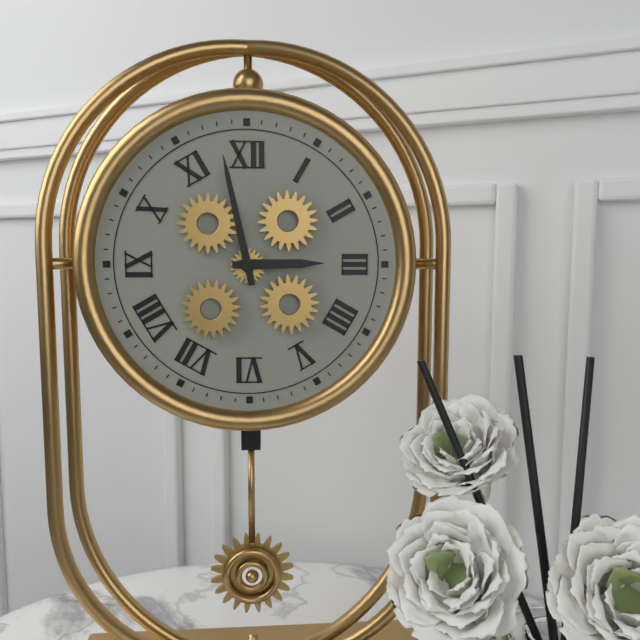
2:58
